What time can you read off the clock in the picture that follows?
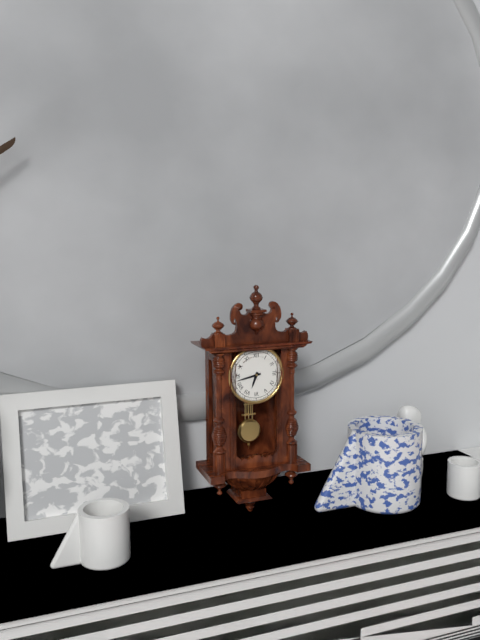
6:43
